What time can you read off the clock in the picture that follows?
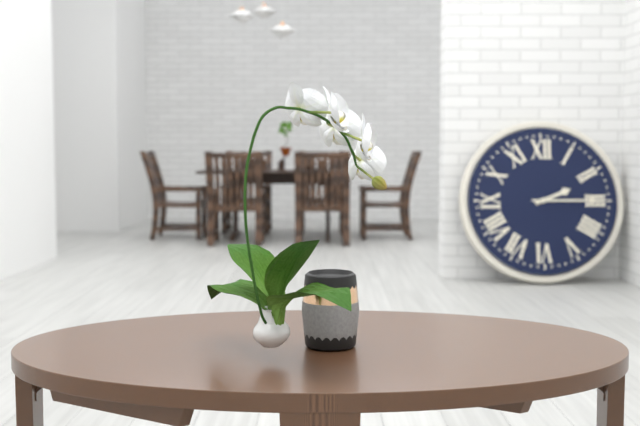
2:15
